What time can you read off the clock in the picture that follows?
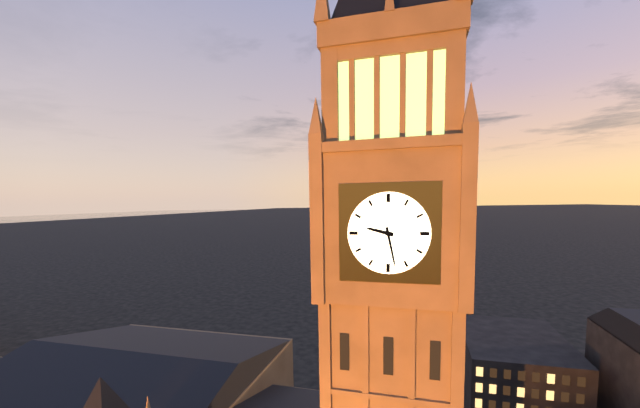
9:28
